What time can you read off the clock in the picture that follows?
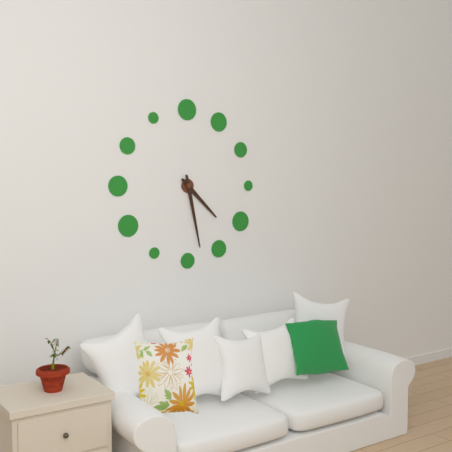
4:28
